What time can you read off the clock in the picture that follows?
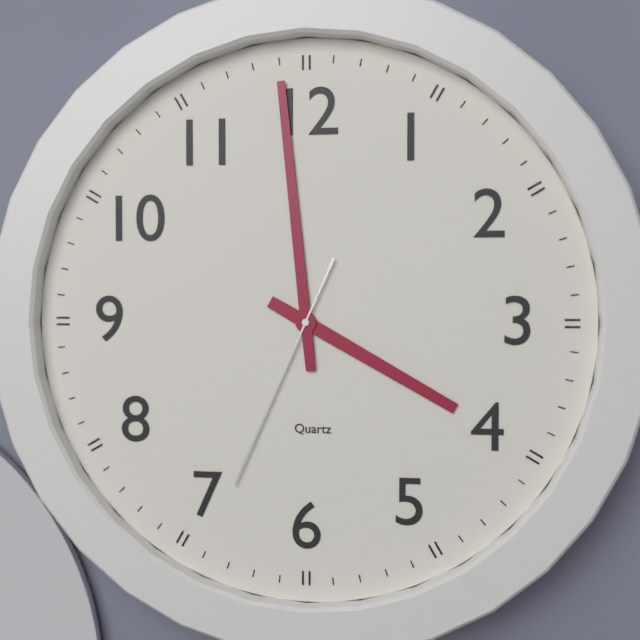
3:59:34
